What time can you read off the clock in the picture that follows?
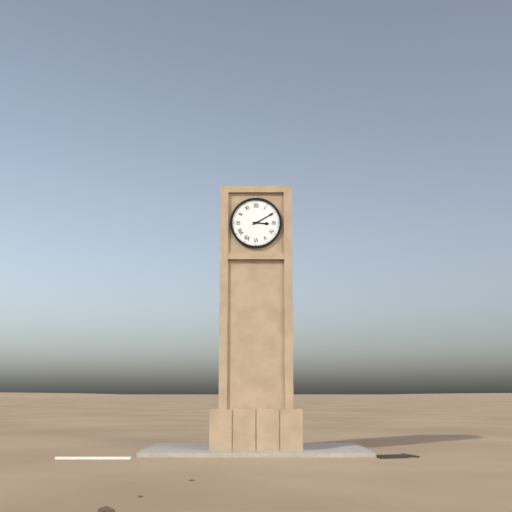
3:10
